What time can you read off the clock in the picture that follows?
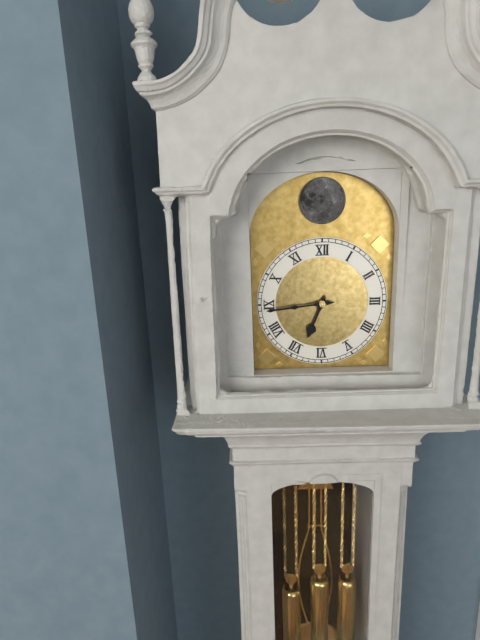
6:44
